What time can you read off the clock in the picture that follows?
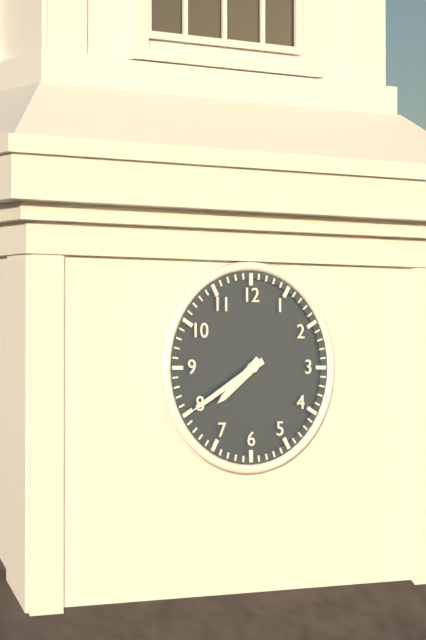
7:40
